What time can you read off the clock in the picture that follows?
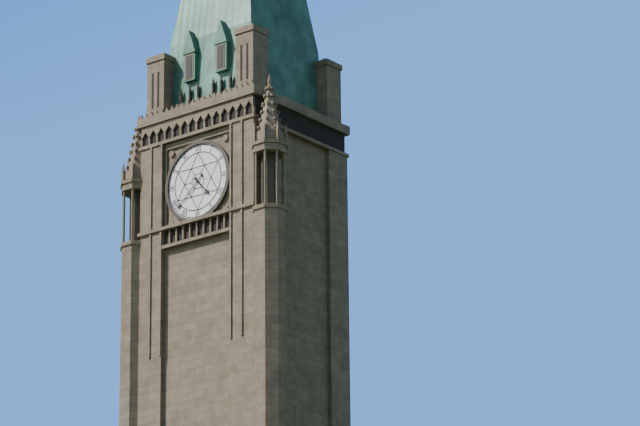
4:38
